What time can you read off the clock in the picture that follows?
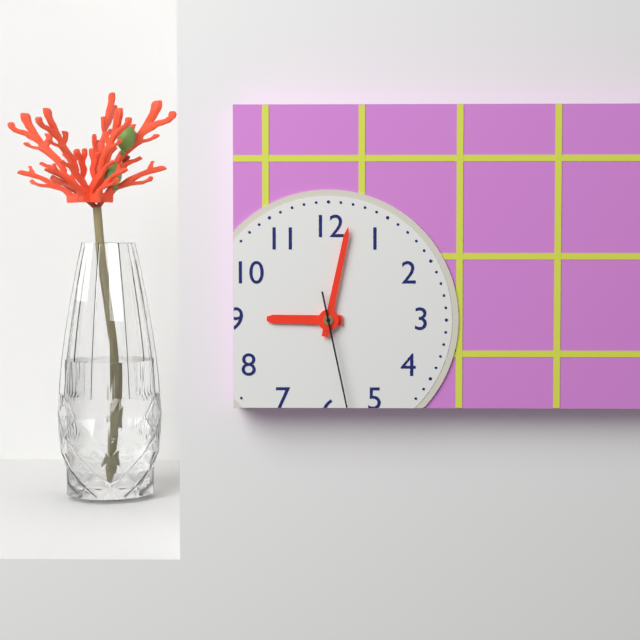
9:02:28
